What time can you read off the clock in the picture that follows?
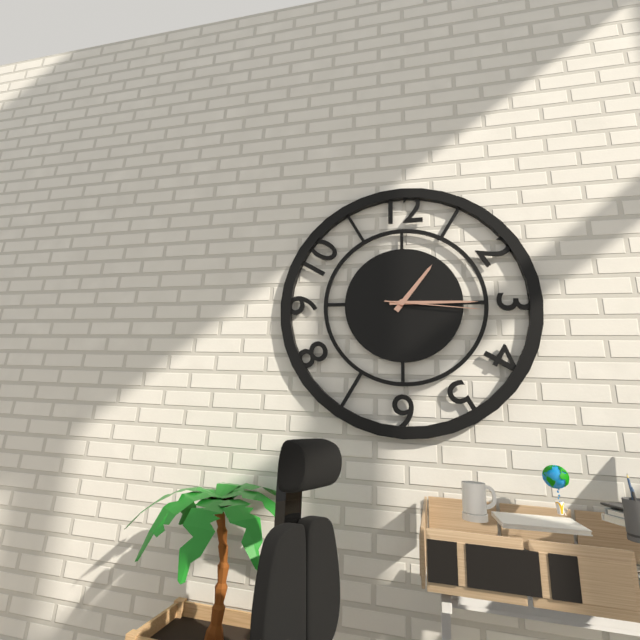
1:15:16
